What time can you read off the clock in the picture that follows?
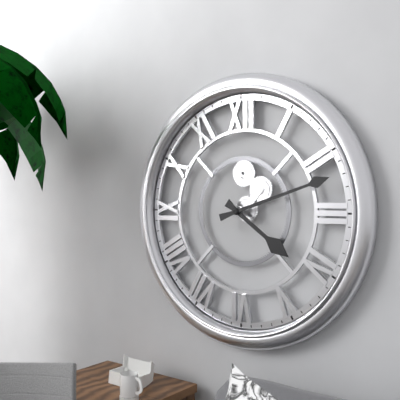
4:12
